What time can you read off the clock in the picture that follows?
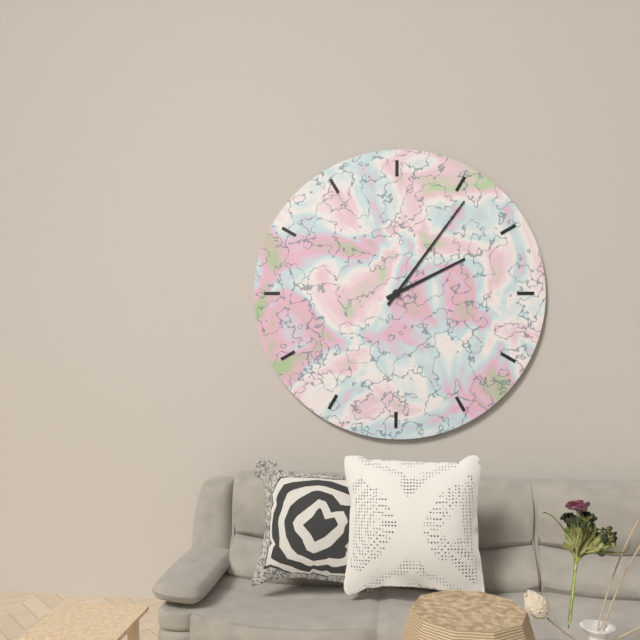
2:06
